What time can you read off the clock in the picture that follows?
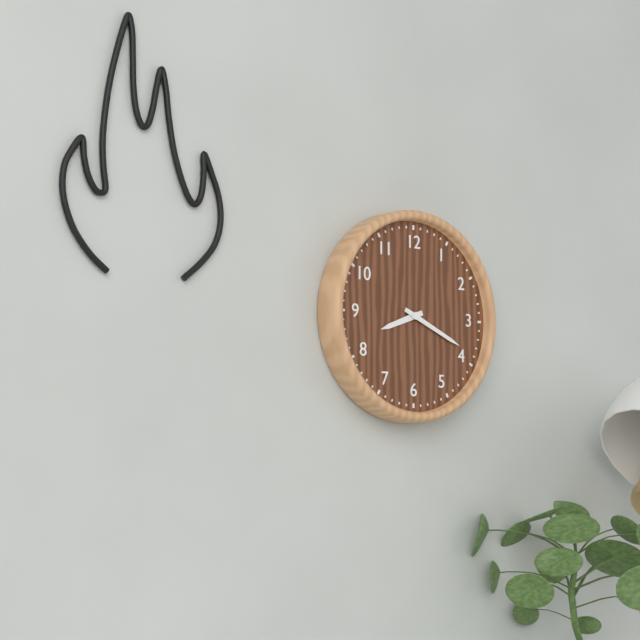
8:19
